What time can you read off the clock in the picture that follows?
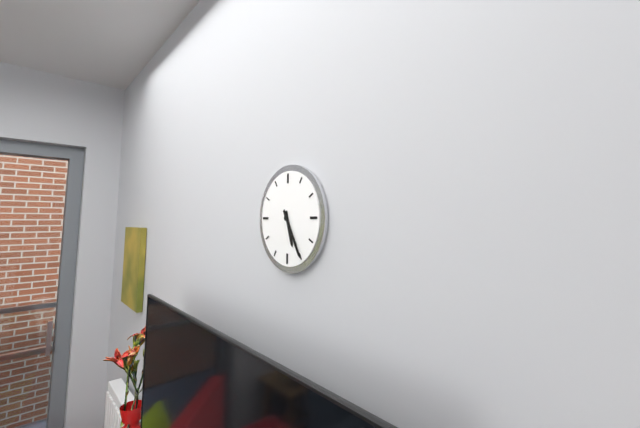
5:25
